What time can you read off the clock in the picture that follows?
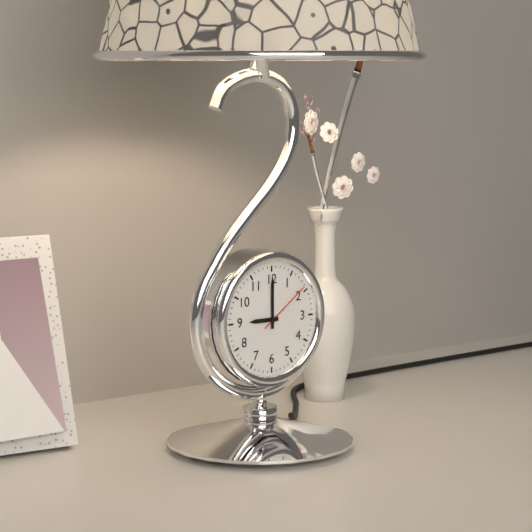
9:00:09
